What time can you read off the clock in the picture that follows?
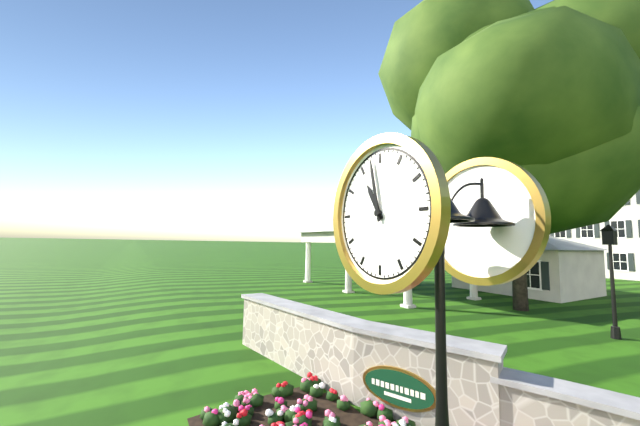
10:58
